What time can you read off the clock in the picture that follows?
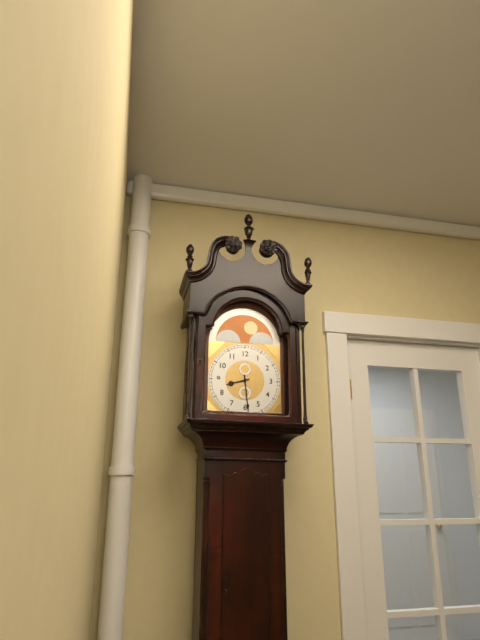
8:29
